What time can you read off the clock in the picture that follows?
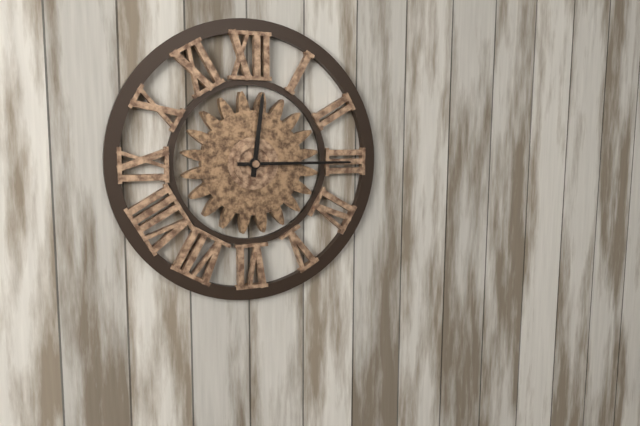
12:15
